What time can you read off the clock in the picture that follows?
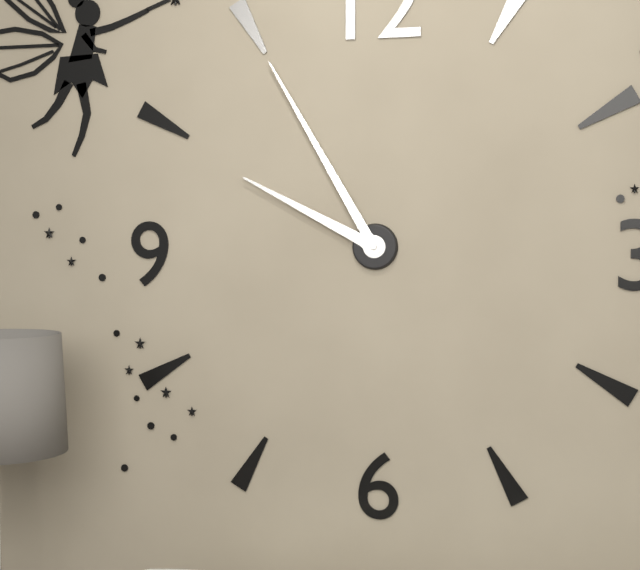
9:55
